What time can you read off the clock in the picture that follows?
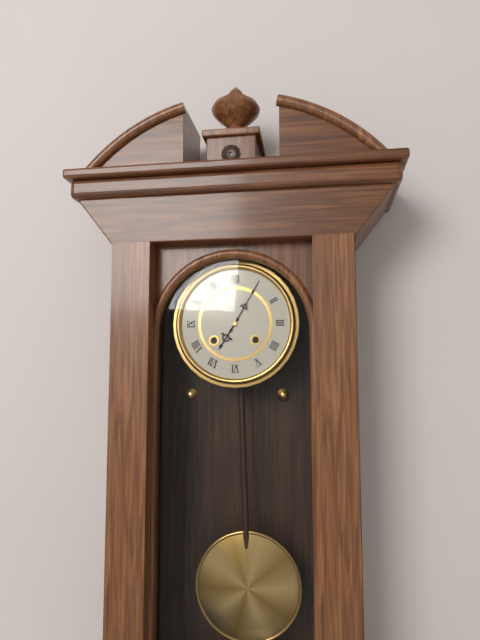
7:05
